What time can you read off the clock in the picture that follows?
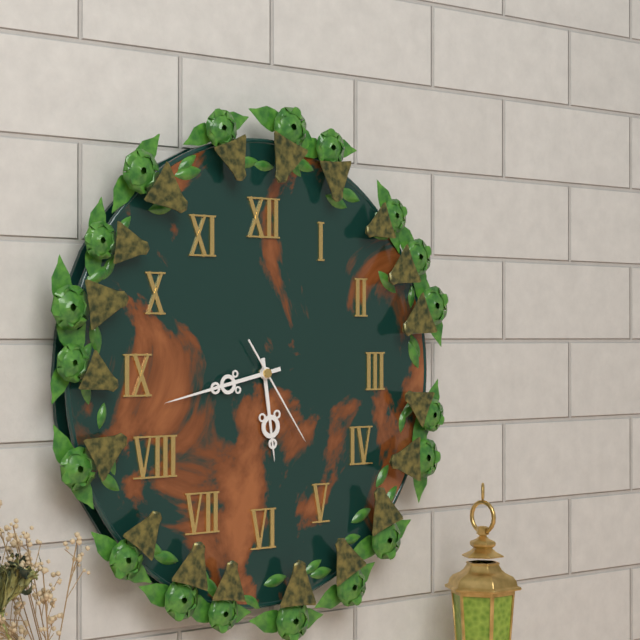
5:43:24
